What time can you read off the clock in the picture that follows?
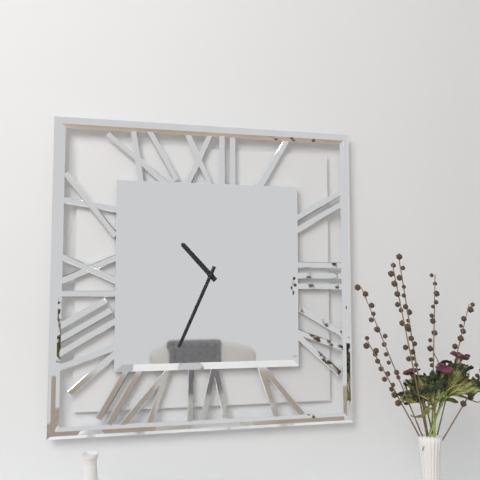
10:34
